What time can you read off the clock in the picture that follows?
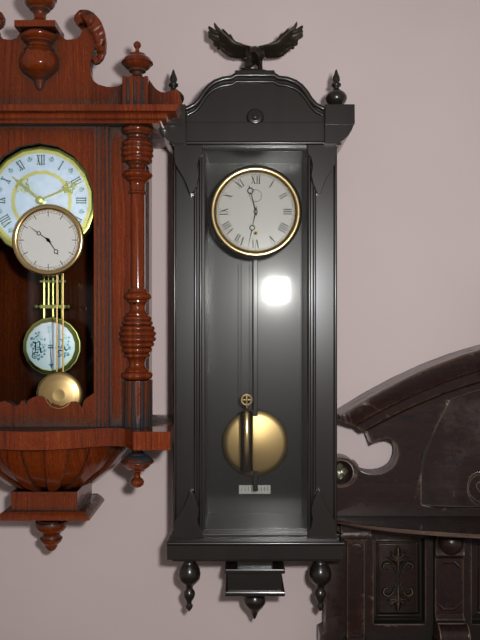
11:32
